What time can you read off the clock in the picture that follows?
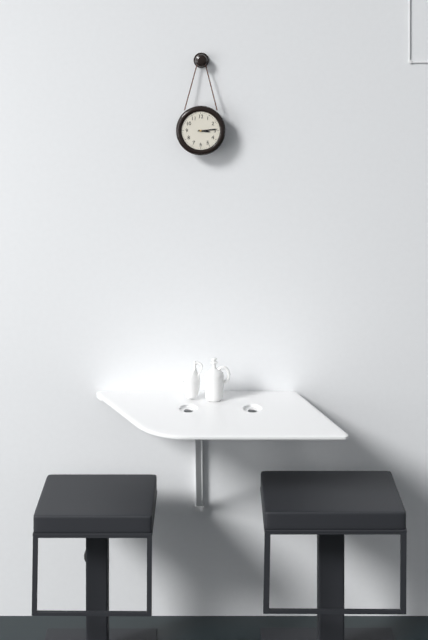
3:14
